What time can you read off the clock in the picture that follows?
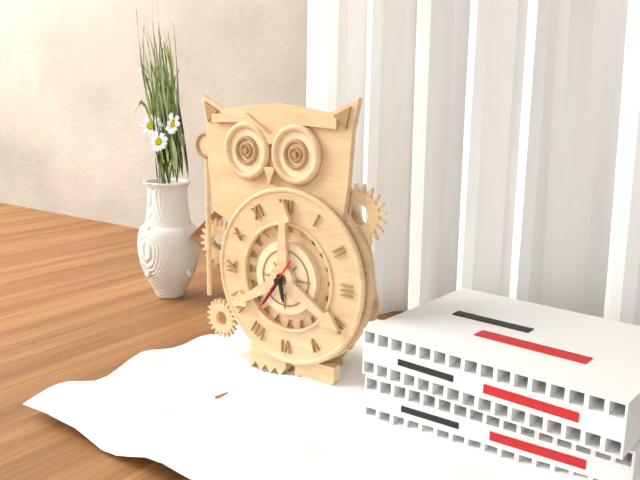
5:36
